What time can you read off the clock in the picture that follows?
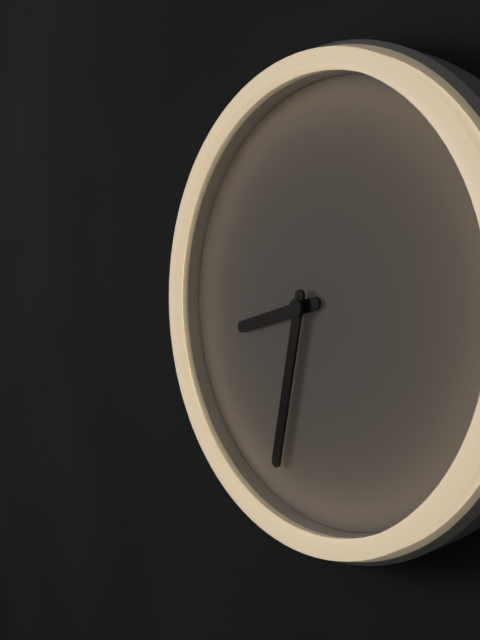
8:32
